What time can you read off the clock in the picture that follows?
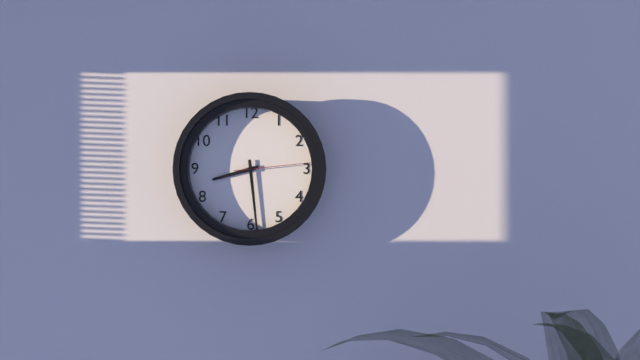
8:29:14
